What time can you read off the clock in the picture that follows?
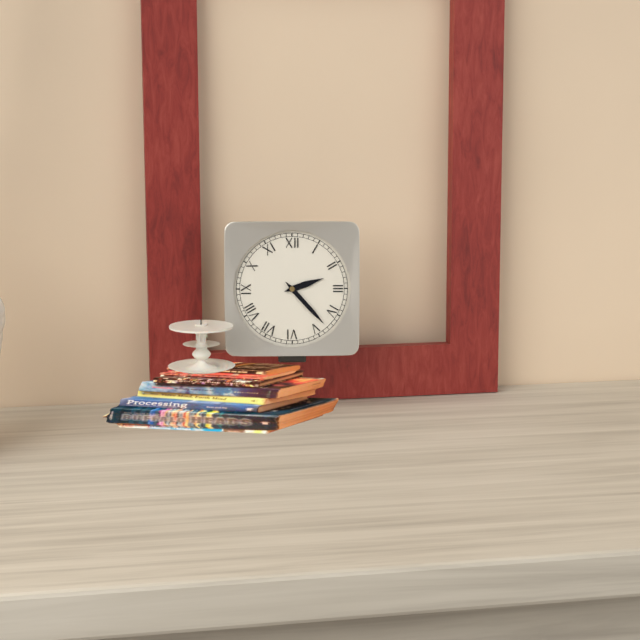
2:23
